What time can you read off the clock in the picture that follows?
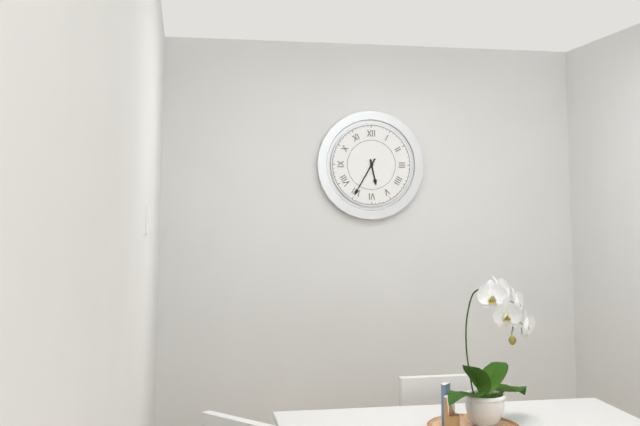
5:35
